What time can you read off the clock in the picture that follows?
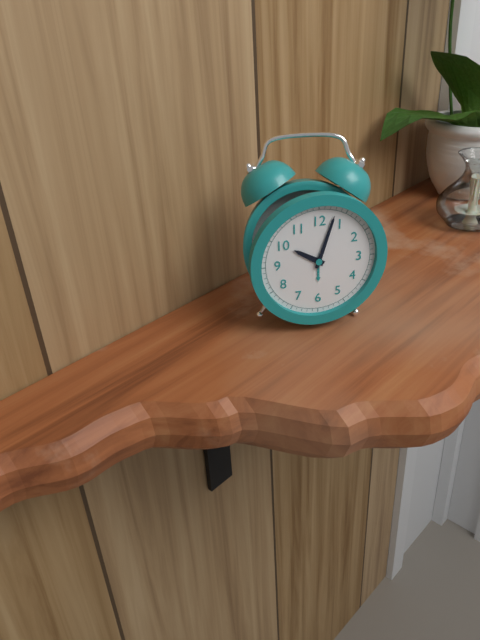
10:03
